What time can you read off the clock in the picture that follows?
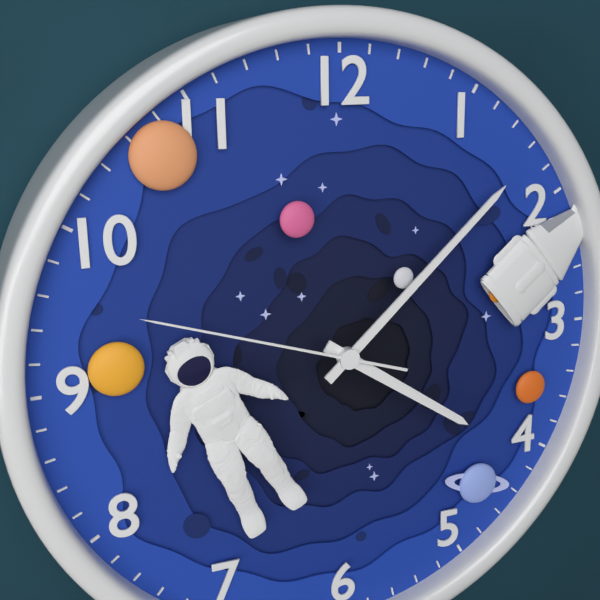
4:08:48
